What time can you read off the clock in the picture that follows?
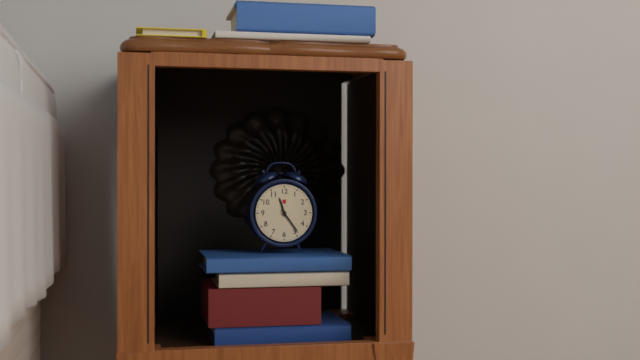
11:24
